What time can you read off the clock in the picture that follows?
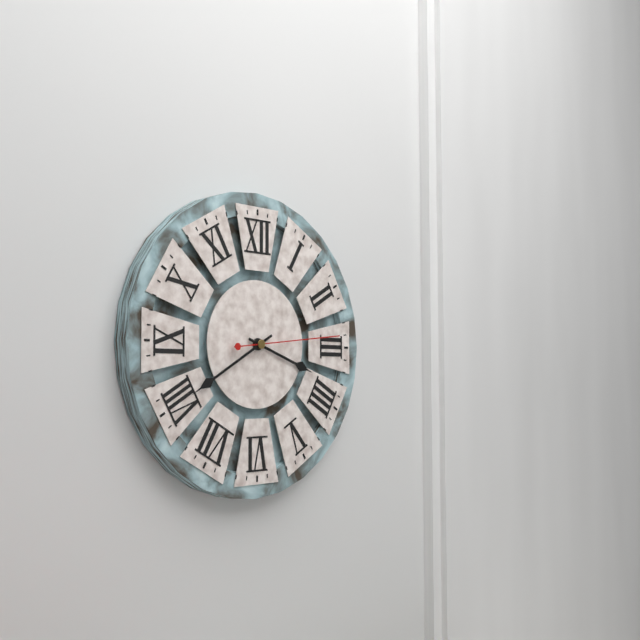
3:40:14
